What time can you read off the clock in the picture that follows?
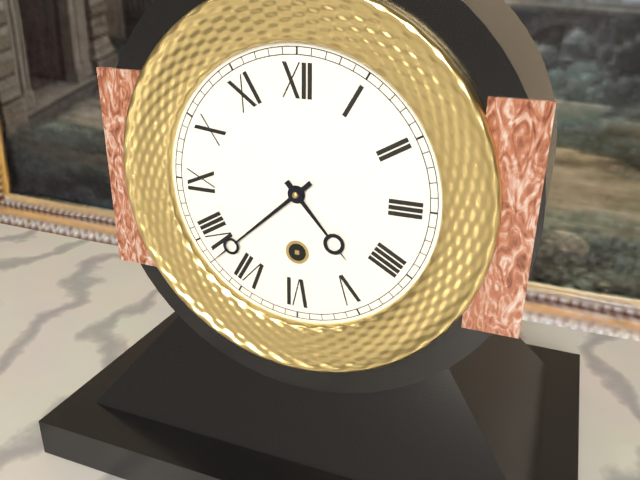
4:38
